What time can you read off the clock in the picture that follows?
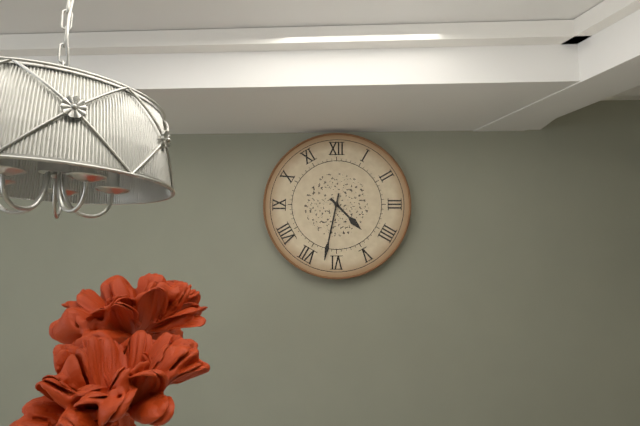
4:32
